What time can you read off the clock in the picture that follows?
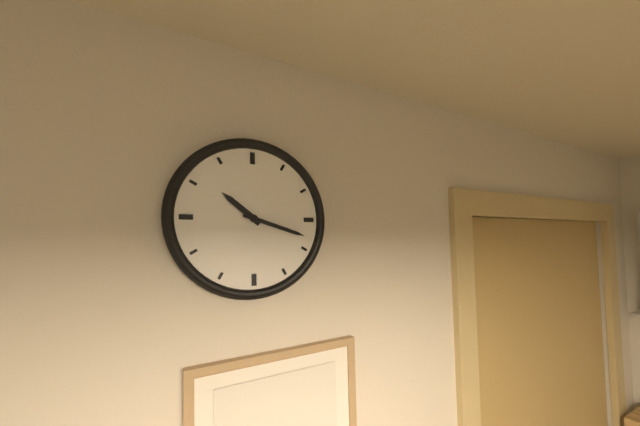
10:18
